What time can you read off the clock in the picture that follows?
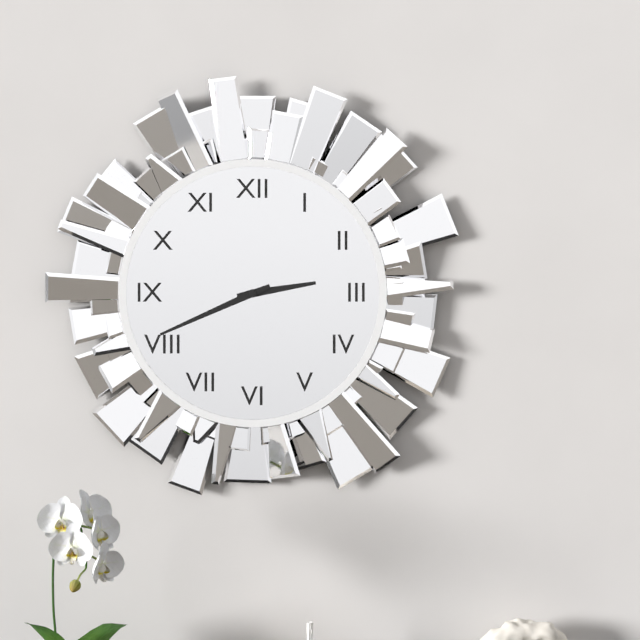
2:41
